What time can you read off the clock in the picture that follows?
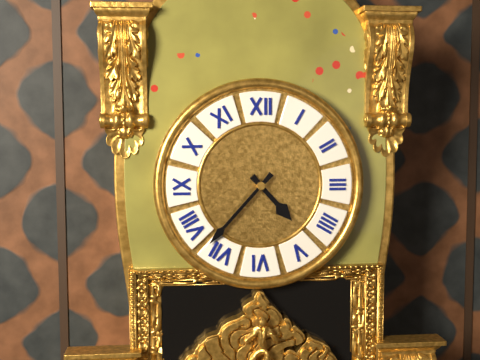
4:37
